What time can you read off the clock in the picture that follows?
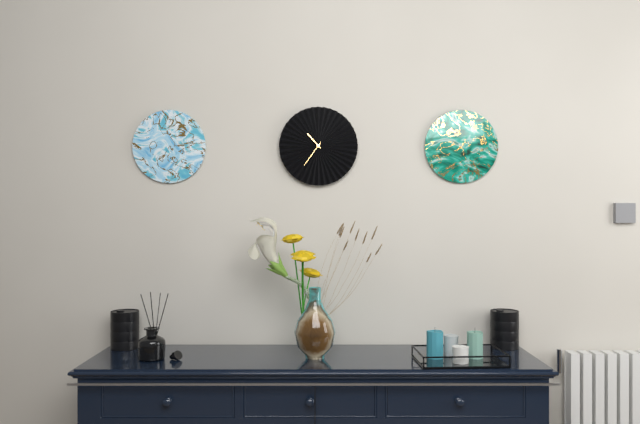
10:36
